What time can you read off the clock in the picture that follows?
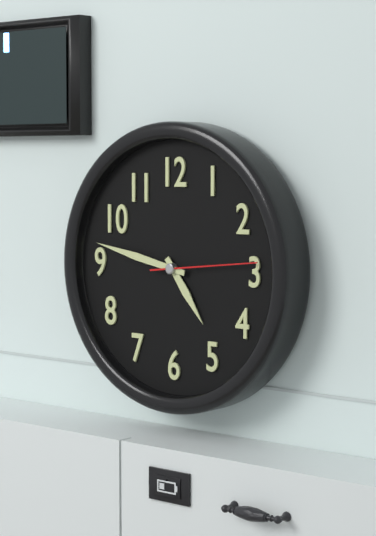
4:47:14
